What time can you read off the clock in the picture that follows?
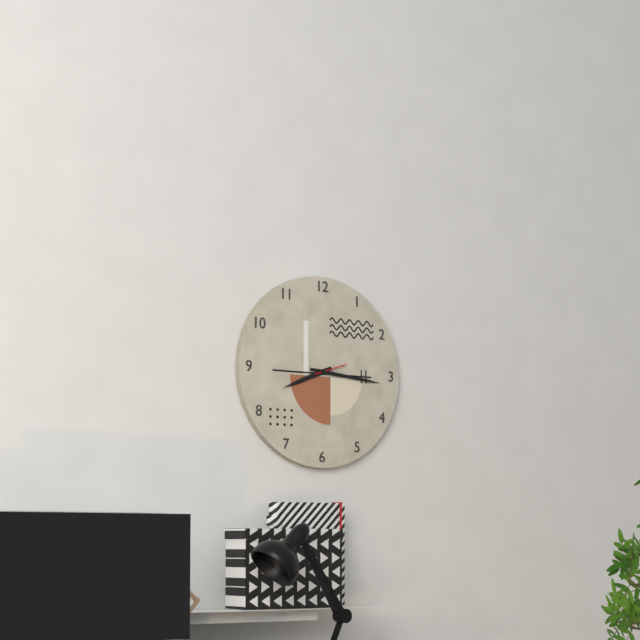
8:16
